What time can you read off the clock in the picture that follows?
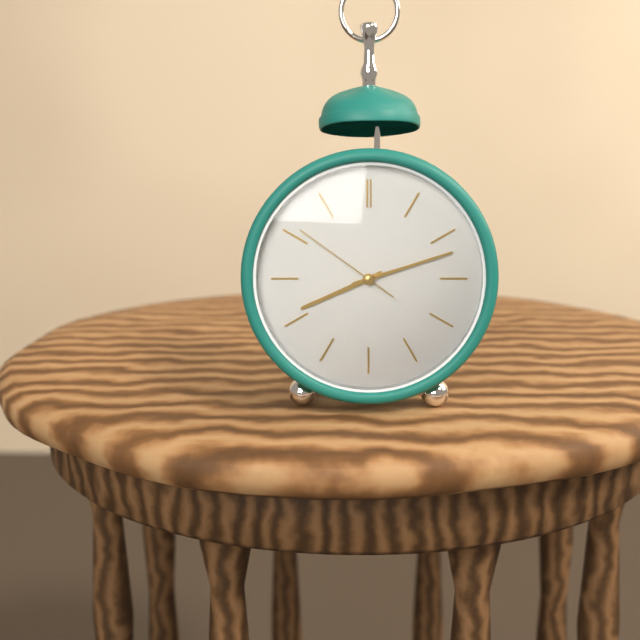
8:12:51
